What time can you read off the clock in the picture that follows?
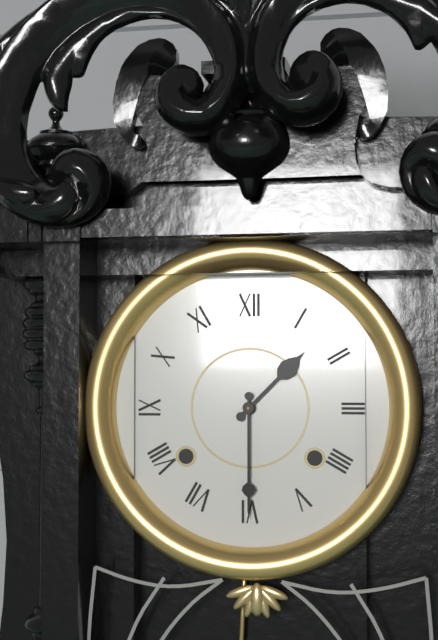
1:30
